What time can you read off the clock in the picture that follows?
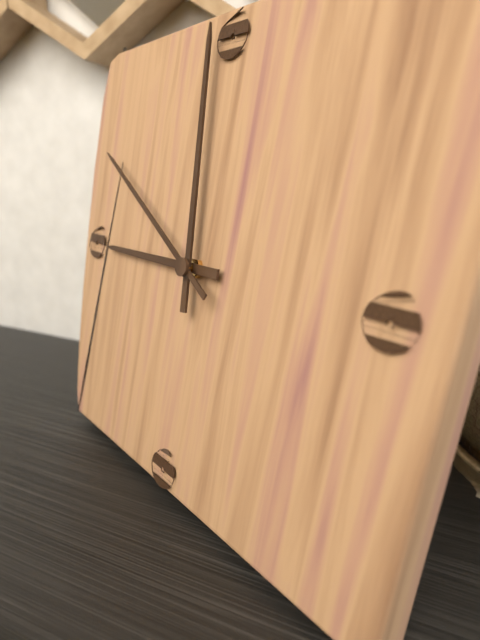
8:59:50
